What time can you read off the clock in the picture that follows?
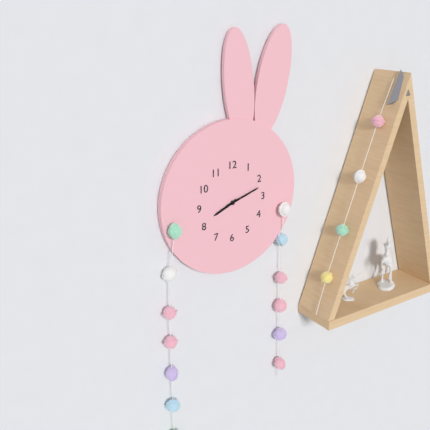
8:12
